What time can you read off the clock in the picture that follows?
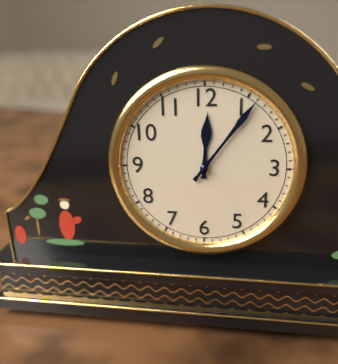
12:06
